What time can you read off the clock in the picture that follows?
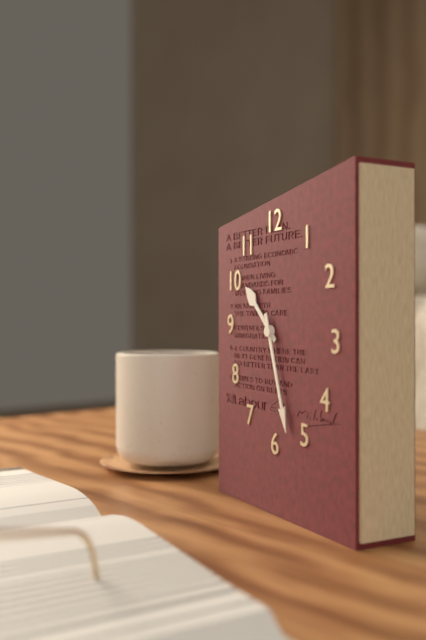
10:27
